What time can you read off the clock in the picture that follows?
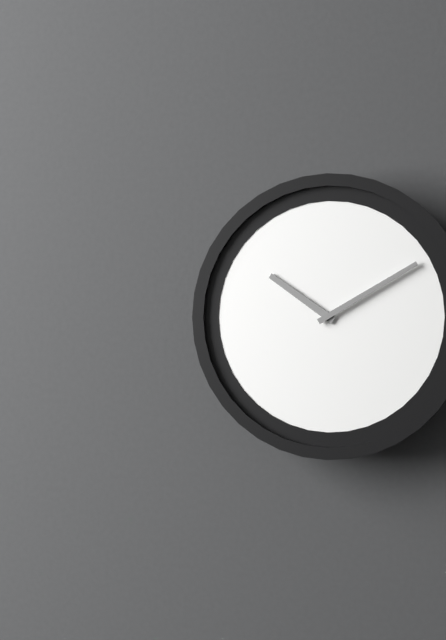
10:10
